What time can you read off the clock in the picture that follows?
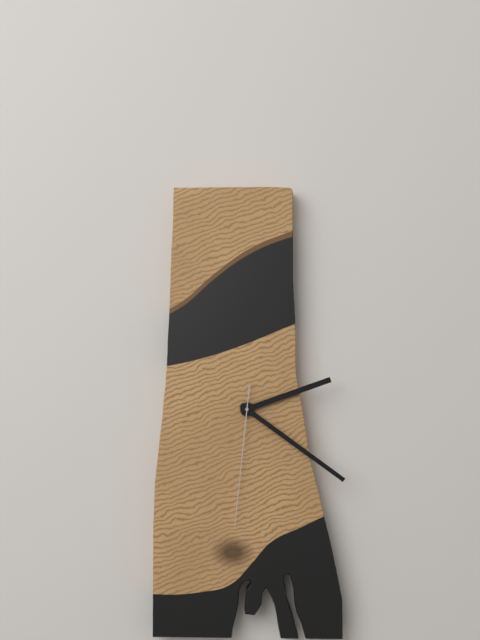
2:21:31
